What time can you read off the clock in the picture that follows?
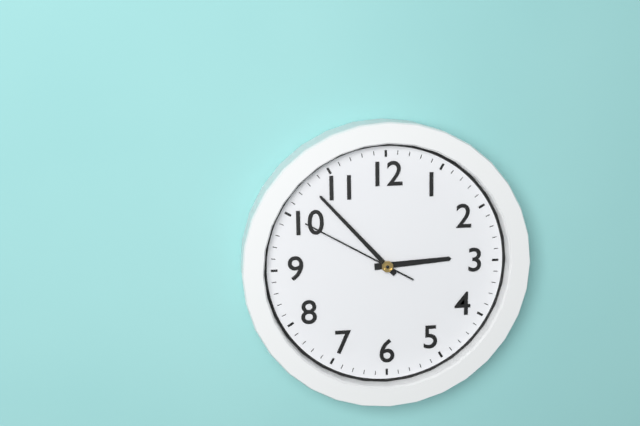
2:53:50
